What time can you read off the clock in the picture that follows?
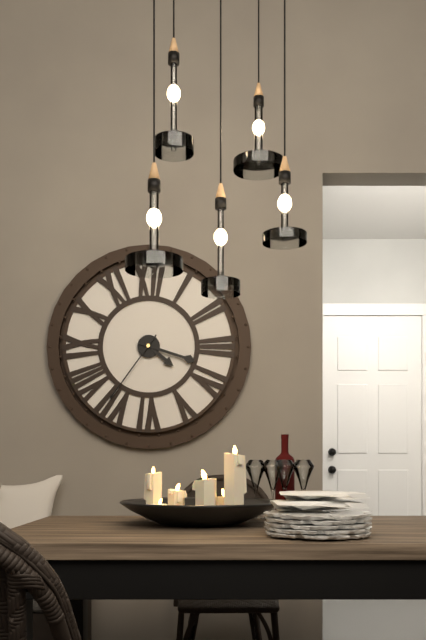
4:18:36
